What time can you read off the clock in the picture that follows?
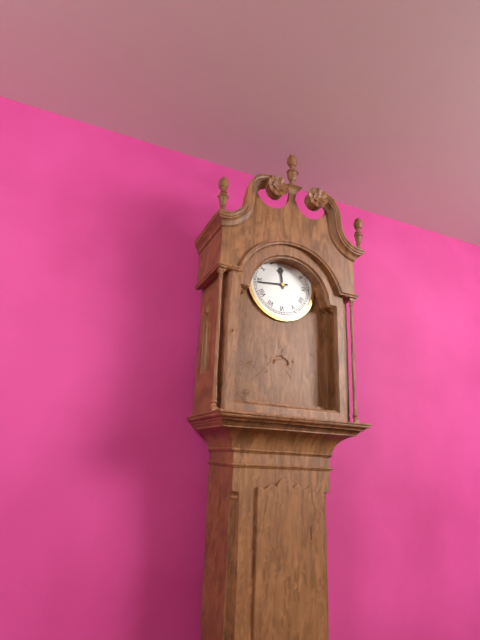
11:44
